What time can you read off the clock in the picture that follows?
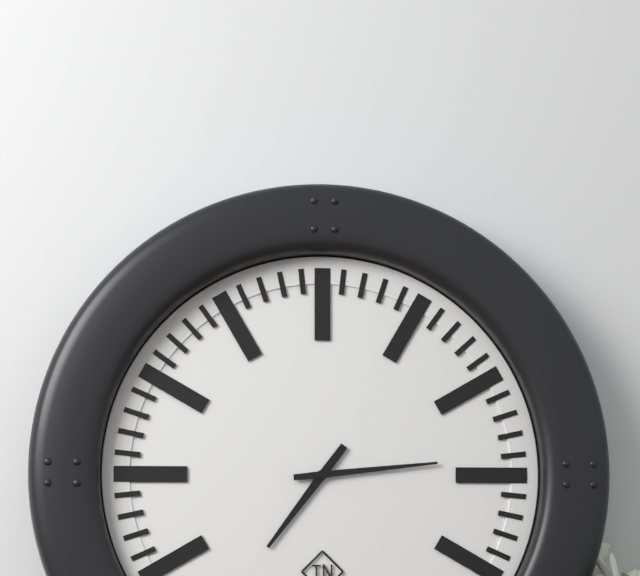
7:14
